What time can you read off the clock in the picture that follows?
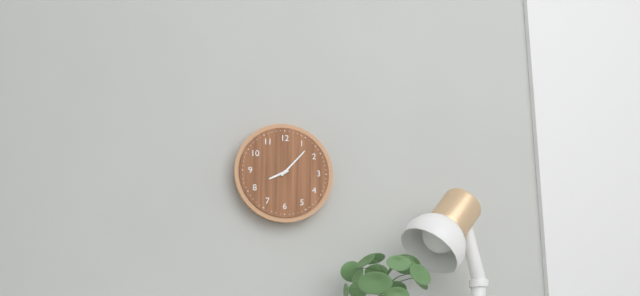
8:07
